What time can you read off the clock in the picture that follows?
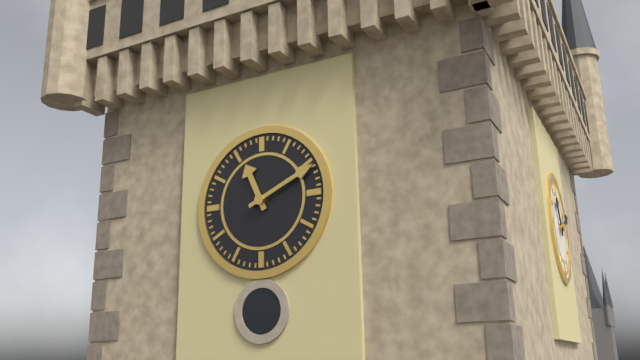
11:11
